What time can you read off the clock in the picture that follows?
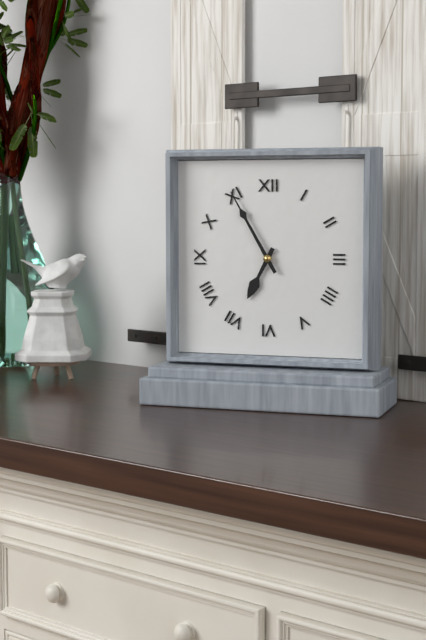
6:55
